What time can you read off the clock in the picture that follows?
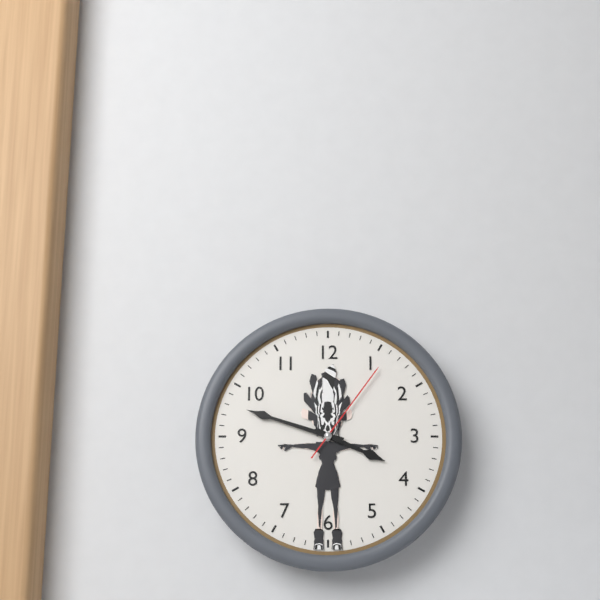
3:48:06
